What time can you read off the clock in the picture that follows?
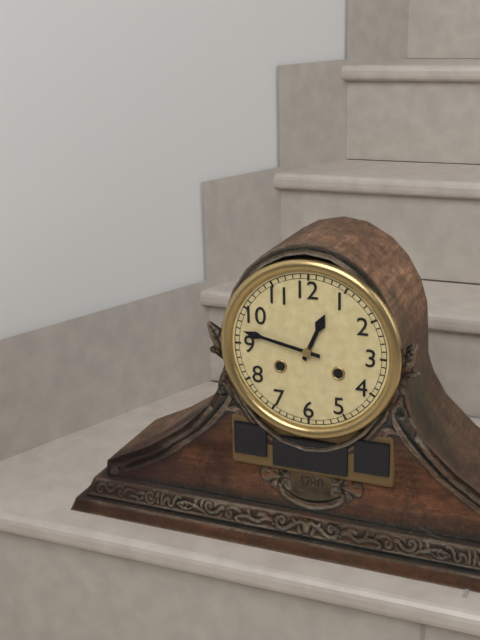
12:47
